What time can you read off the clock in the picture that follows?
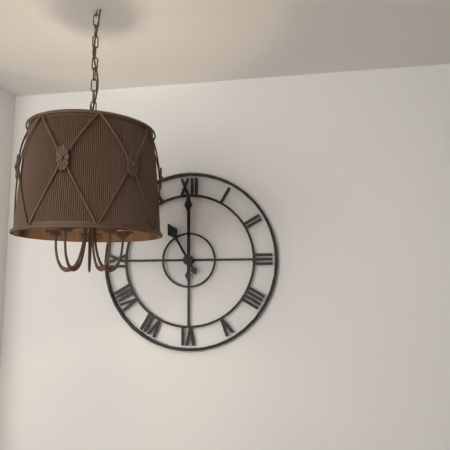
11:00
